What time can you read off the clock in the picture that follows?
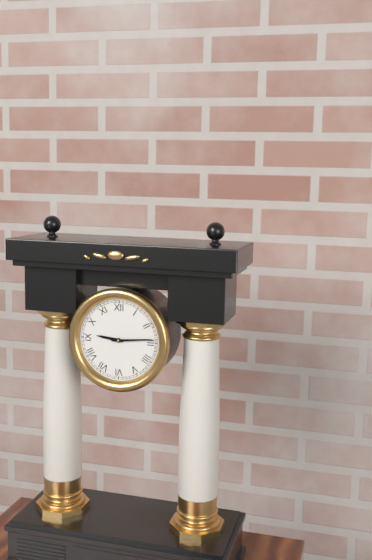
9:14
